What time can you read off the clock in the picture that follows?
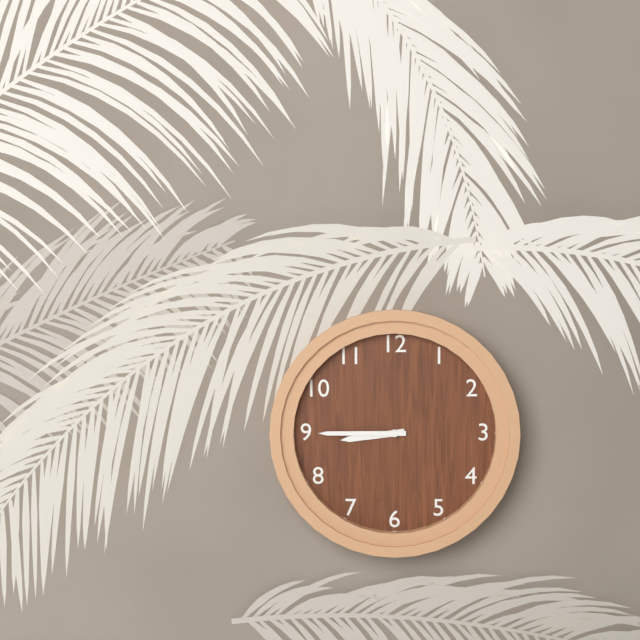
8:45
